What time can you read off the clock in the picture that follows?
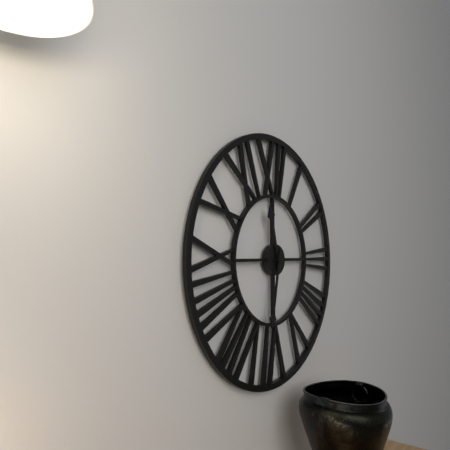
11:32
